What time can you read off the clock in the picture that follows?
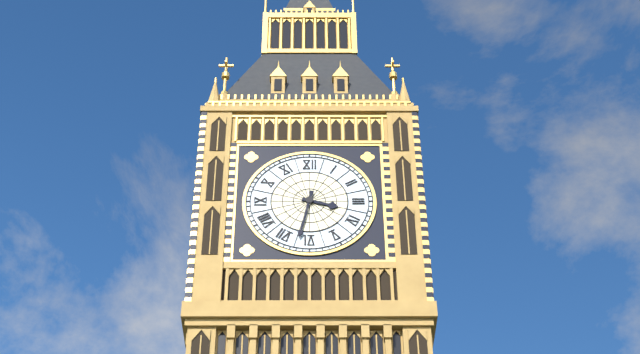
3:32
